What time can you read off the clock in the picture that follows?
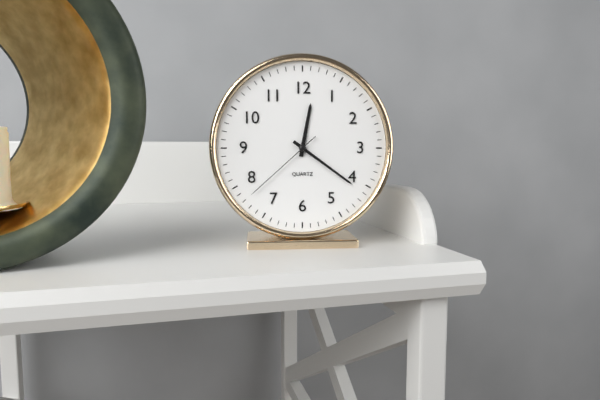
12:21:38
